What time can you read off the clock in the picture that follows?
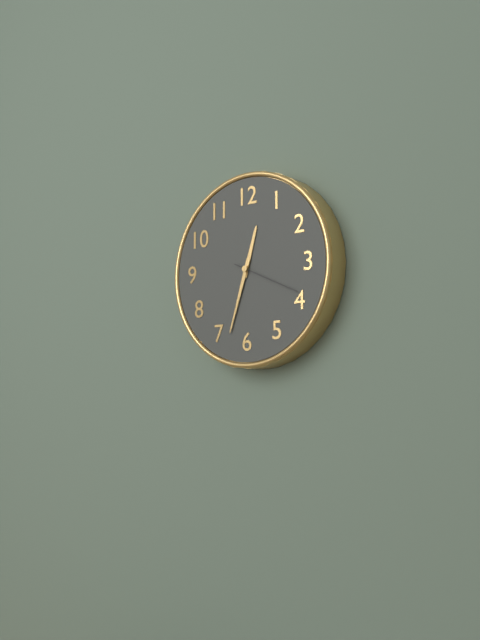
12:33:19
